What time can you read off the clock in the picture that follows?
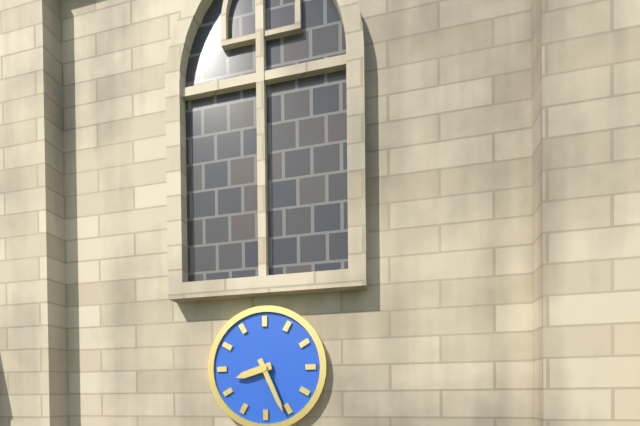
8:26
